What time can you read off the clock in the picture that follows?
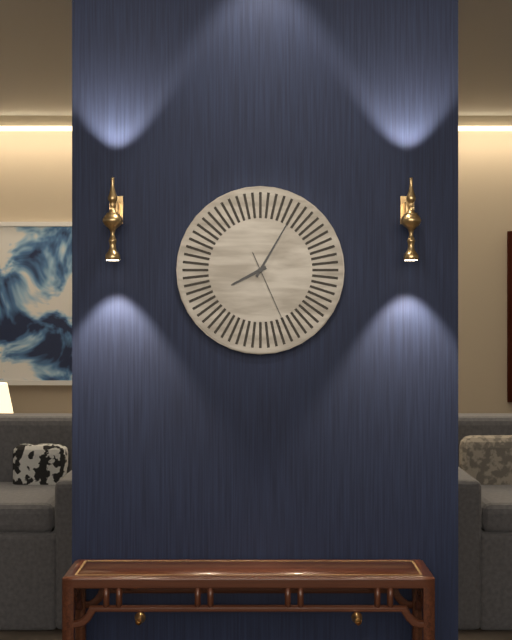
8:05:26
